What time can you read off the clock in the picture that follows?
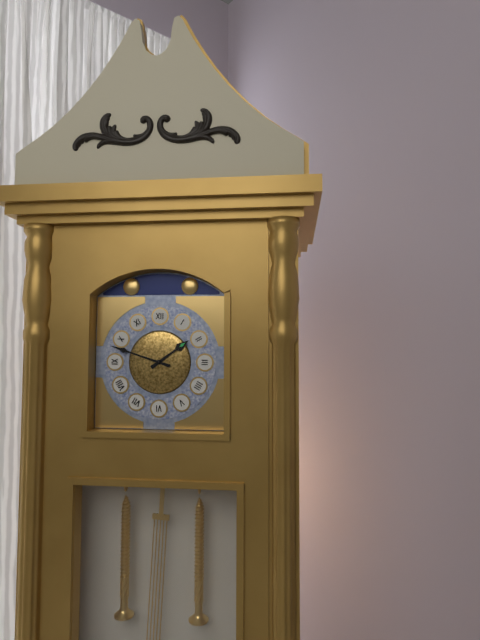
1:48
